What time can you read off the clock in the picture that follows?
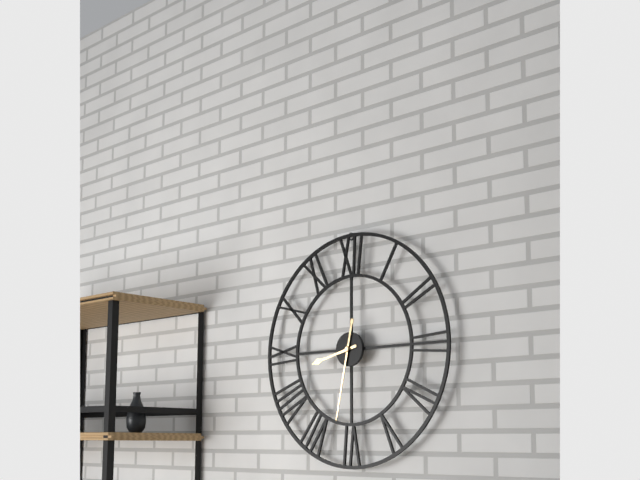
8:32
